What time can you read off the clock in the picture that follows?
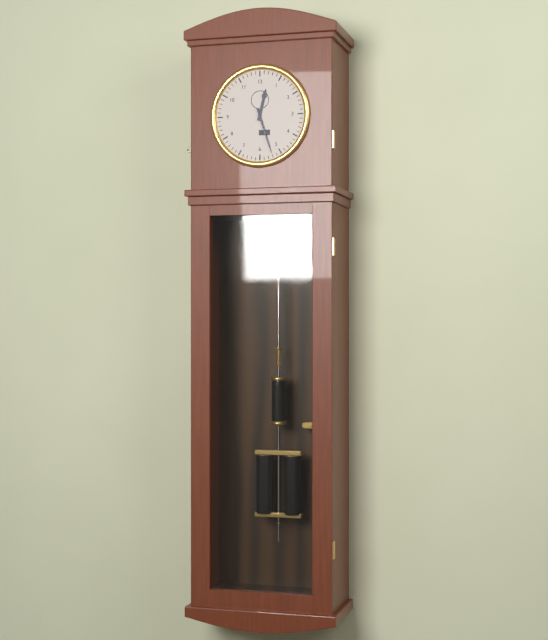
12:27
